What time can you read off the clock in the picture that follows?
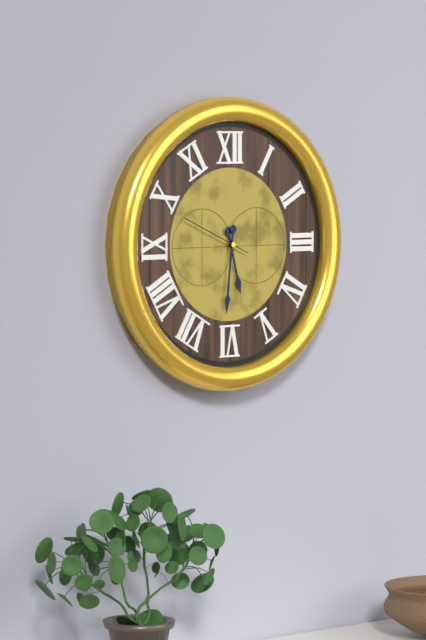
5:31:49
